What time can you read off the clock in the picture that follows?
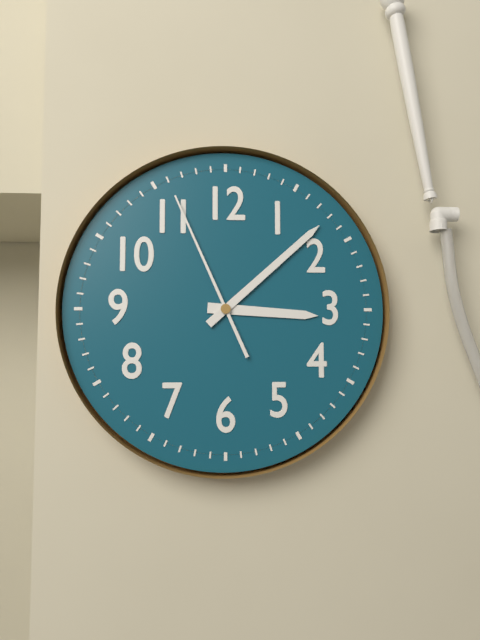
3:08:56
